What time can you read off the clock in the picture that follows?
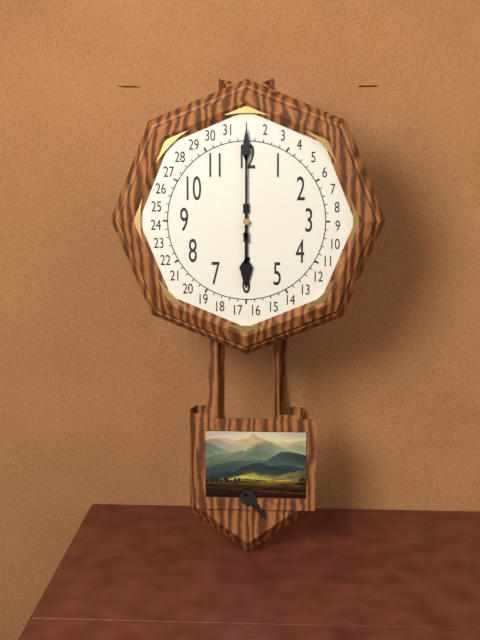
6:00
